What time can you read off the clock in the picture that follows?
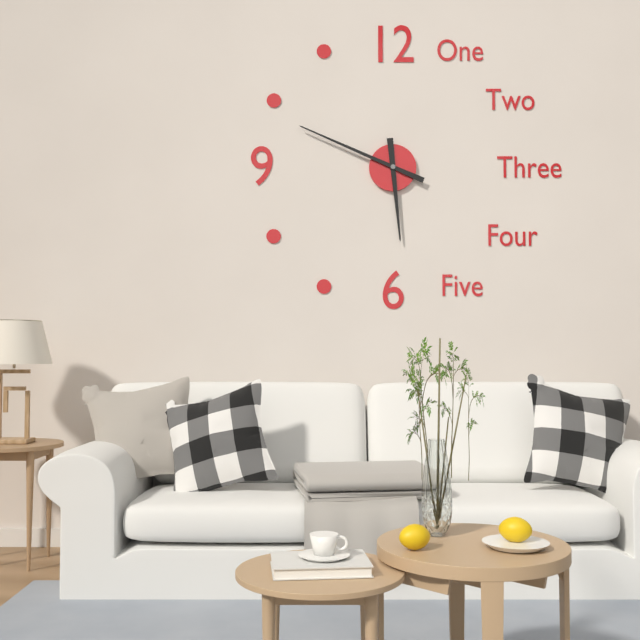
5:49
